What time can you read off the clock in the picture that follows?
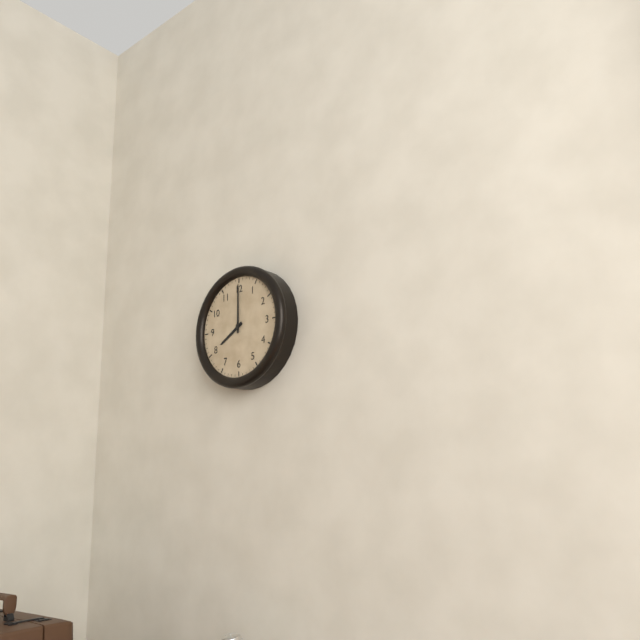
8:00
